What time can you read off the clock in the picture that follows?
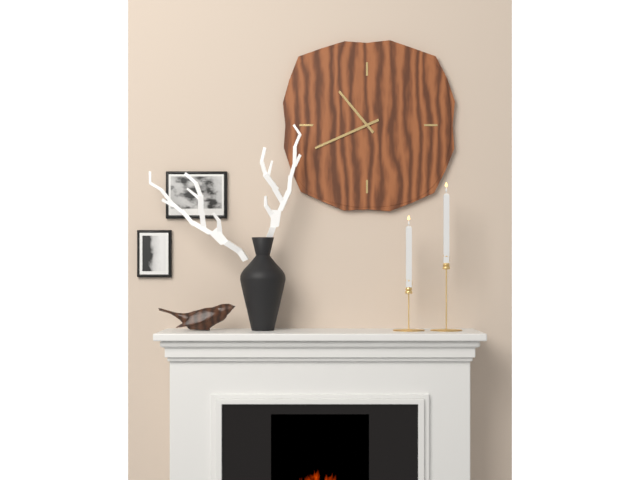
10:41
